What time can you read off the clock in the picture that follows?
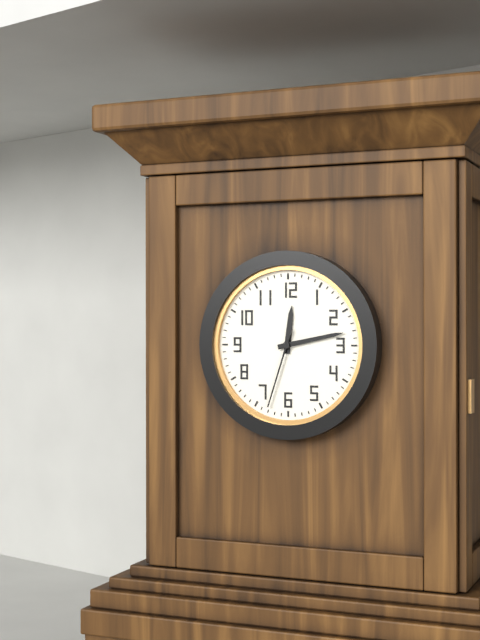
12:13:33
